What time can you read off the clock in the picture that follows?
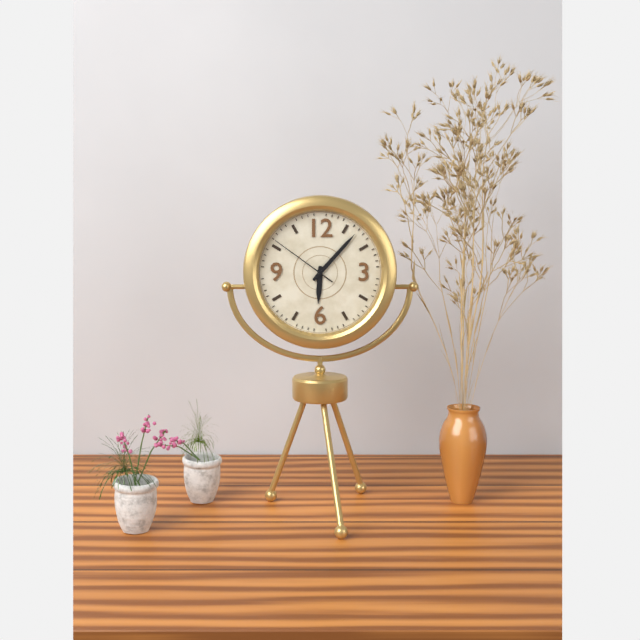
6:07:51
